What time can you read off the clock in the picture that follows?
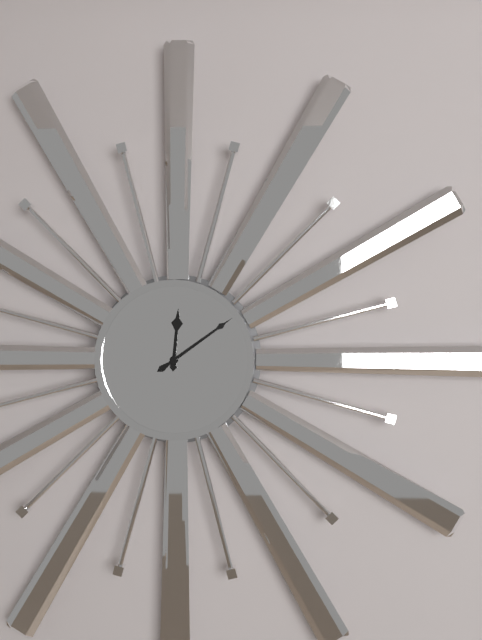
12:09
